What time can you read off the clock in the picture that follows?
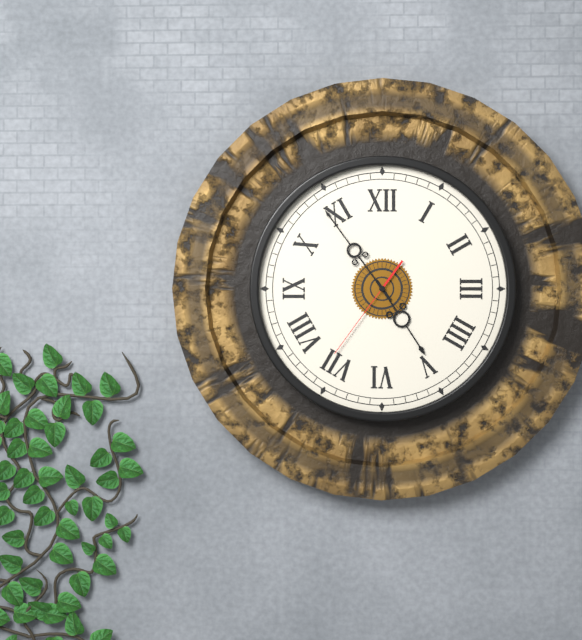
4:54:36
